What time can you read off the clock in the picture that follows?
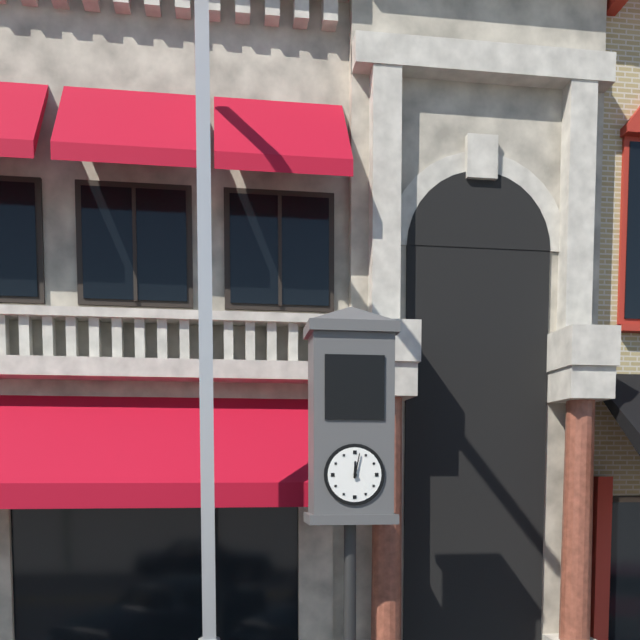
12:02
